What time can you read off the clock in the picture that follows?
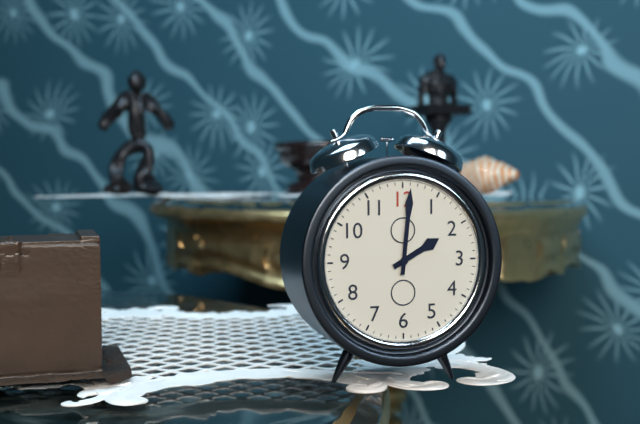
2:01
